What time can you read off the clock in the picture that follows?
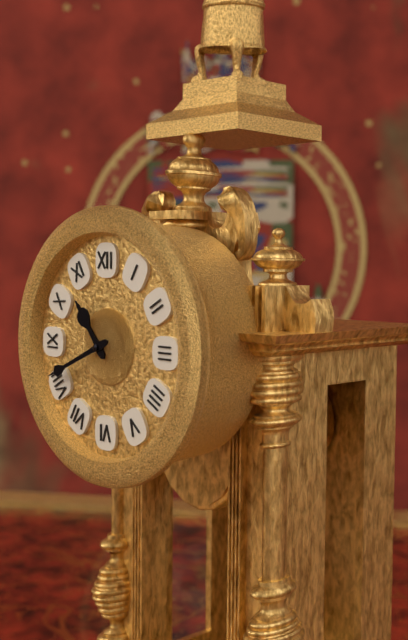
10:41
